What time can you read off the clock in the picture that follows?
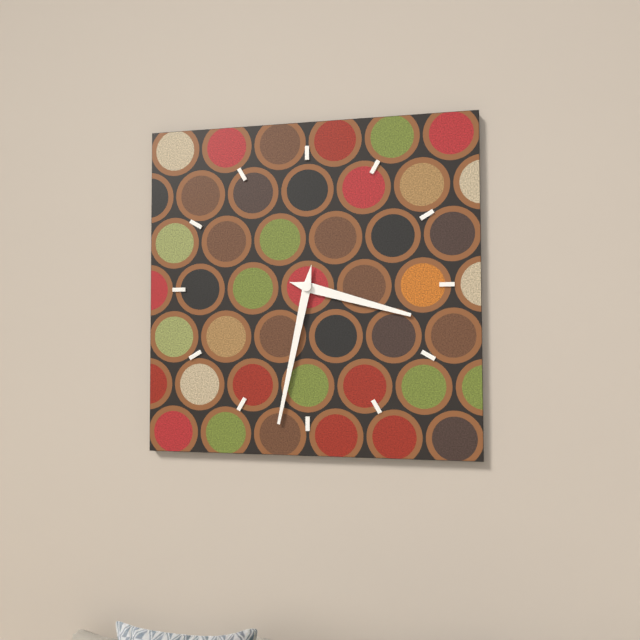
3:32
